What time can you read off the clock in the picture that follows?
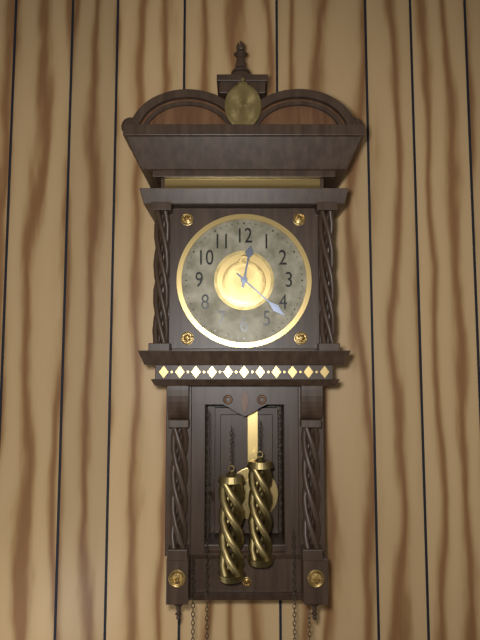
12:22
